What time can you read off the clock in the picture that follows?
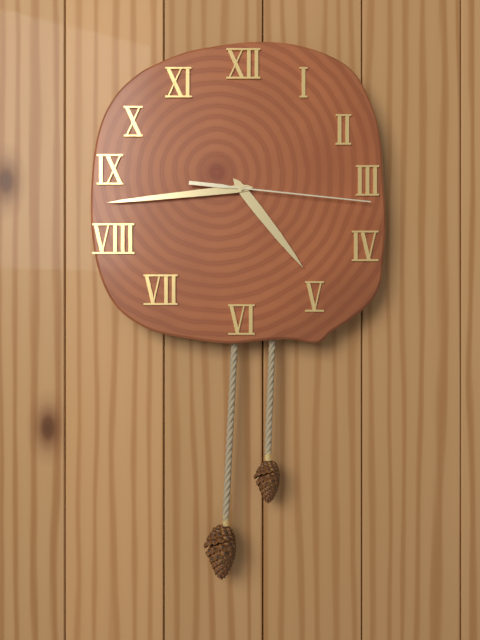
4:44:16
